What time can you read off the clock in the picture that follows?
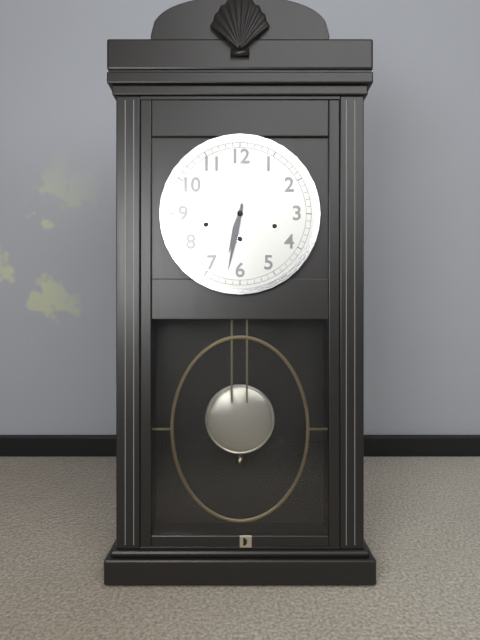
6:32
